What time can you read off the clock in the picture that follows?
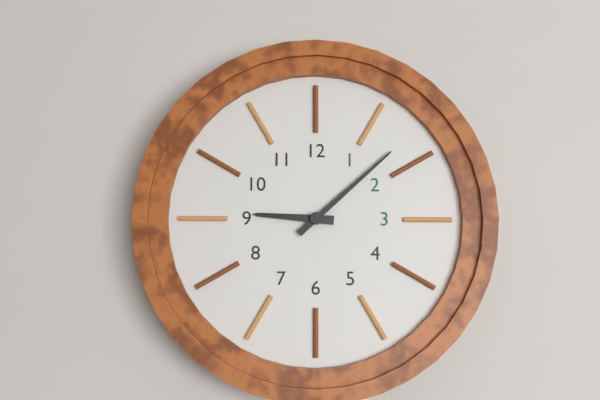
9:08
